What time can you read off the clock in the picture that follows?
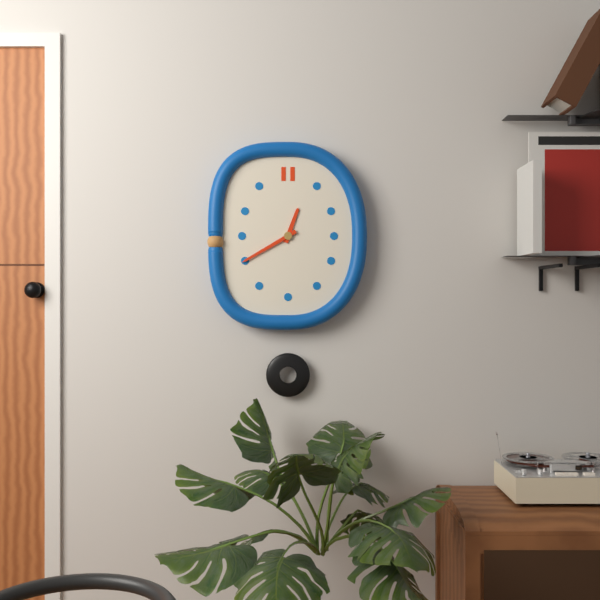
12:40
